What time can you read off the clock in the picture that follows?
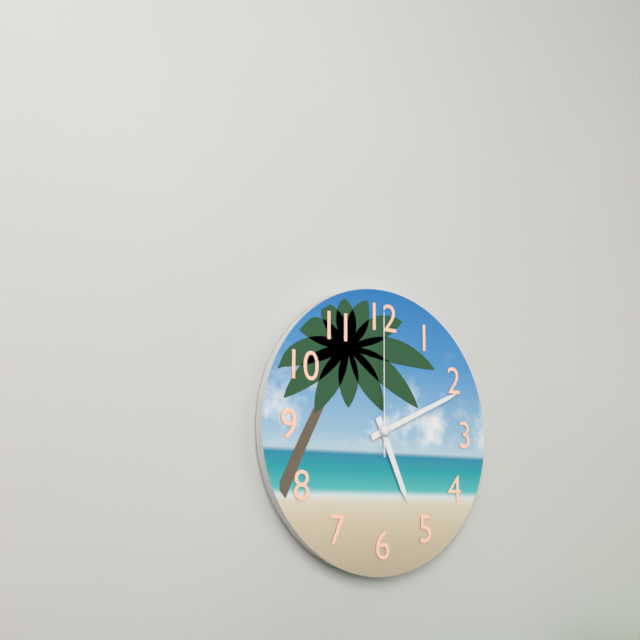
5:11:00
